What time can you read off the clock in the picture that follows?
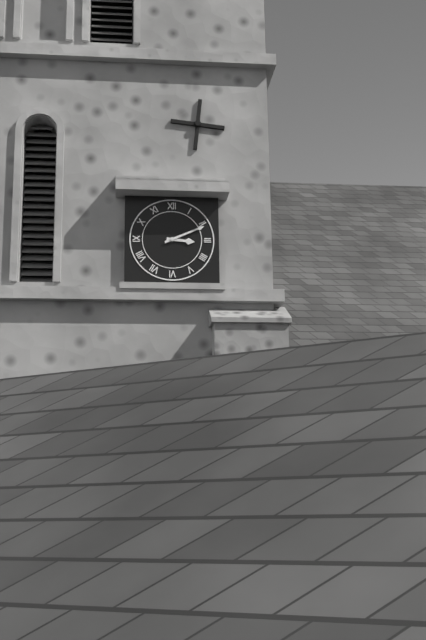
3:11
